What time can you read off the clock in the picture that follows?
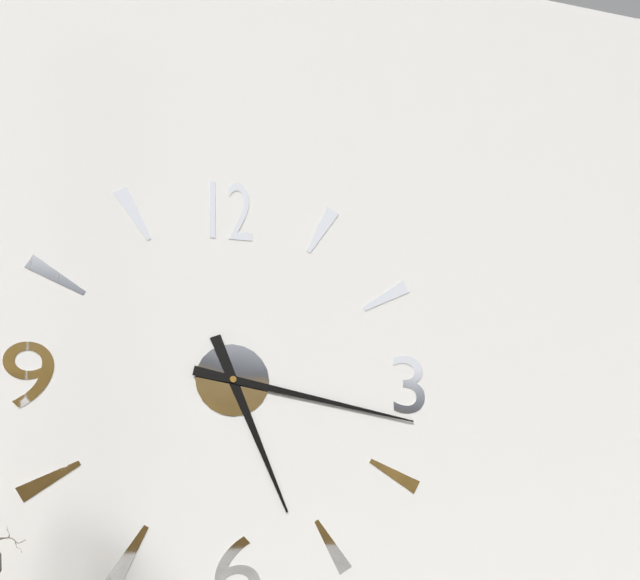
5:17
